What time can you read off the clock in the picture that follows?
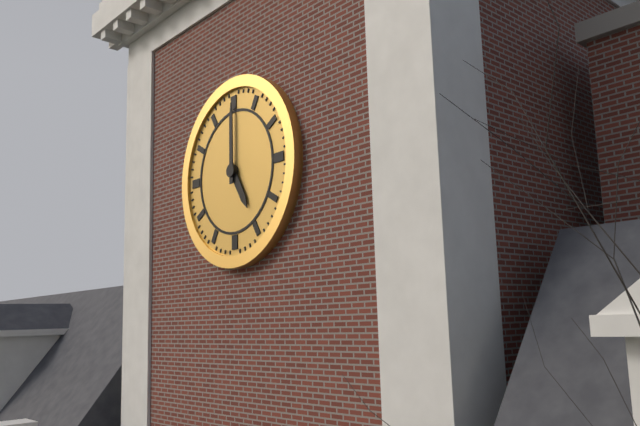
5:00
